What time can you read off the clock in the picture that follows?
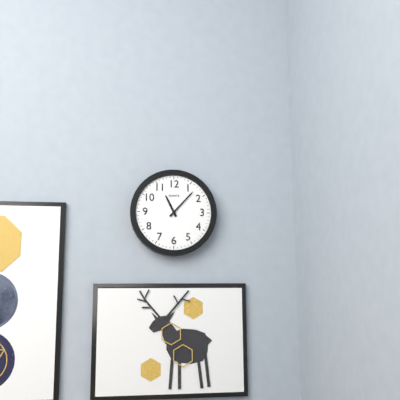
11:07
